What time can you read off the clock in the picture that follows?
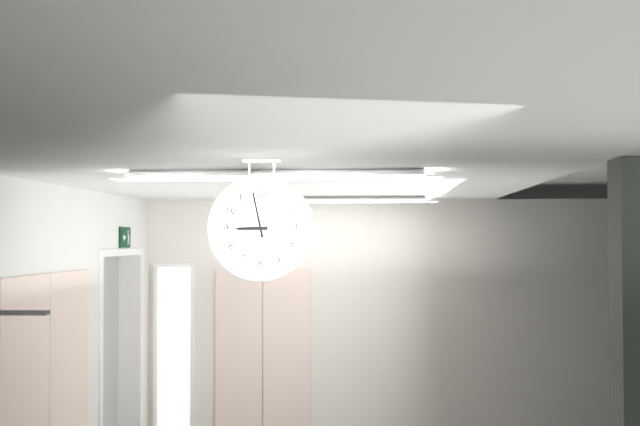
8:58
